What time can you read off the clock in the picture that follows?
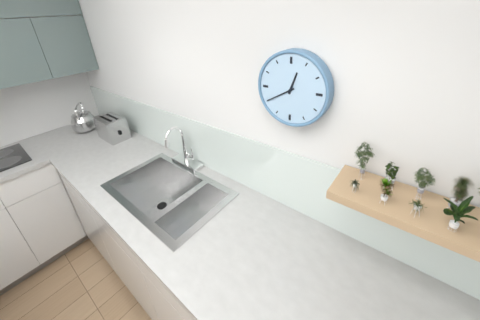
12:40
